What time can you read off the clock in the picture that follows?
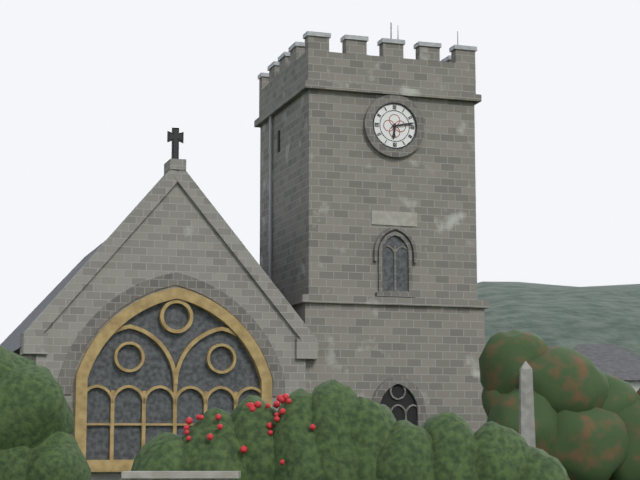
6:13
